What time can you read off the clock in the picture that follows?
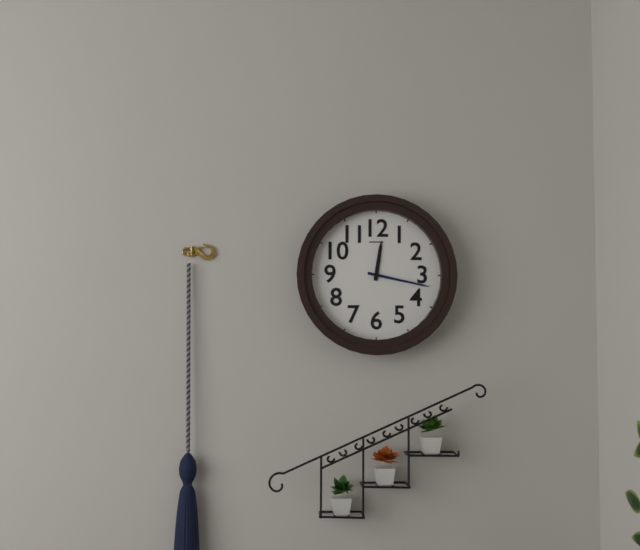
12:17
